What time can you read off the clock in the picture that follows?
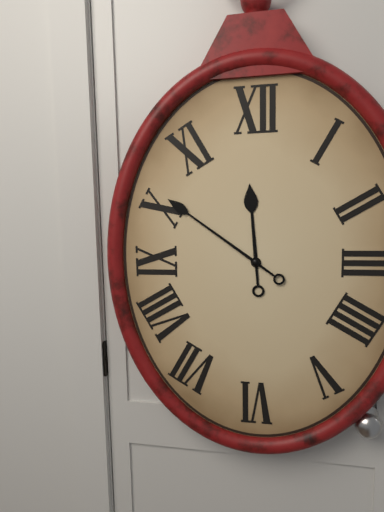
11:51
